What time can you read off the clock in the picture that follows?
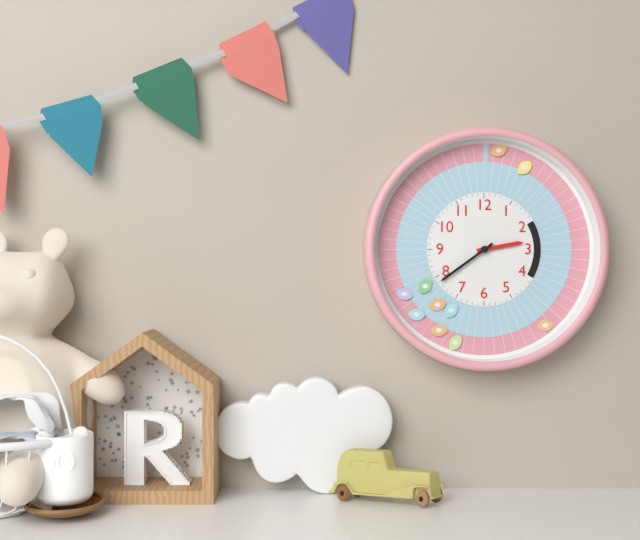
2:39
